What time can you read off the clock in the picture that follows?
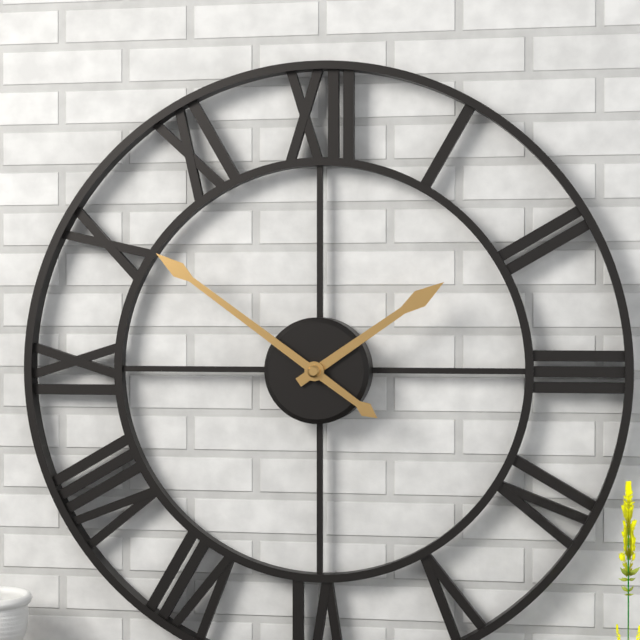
1:51
